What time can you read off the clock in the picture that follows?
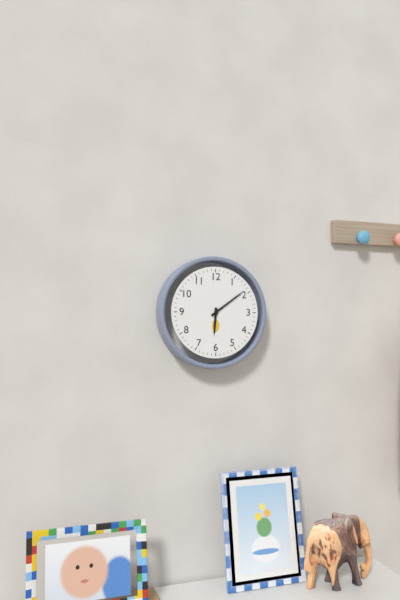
6:09
